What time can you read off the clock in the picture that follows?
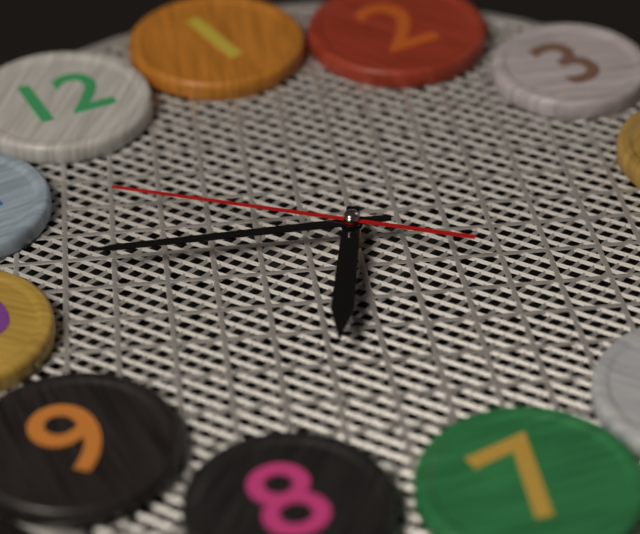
7:52:56
